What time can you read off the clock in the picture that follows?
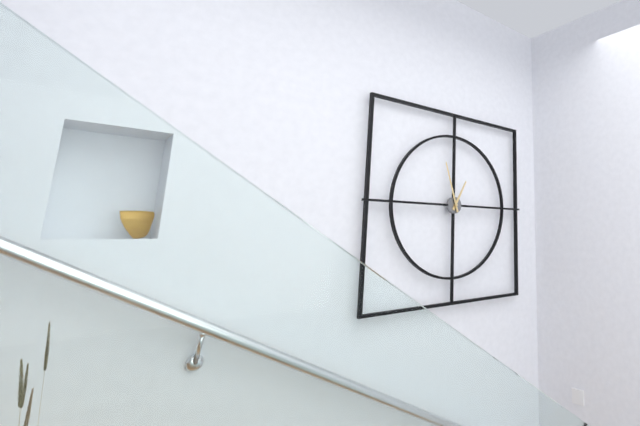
12:57
